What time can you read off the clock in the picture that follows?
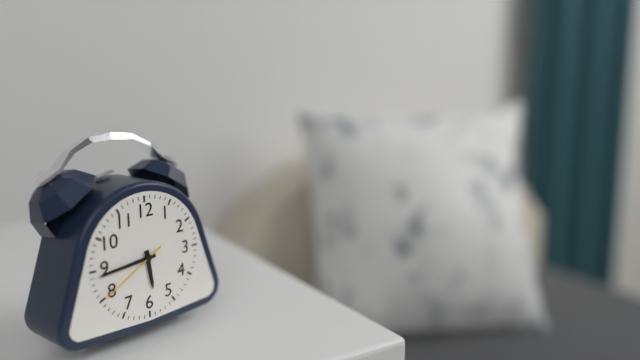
5:44:40
